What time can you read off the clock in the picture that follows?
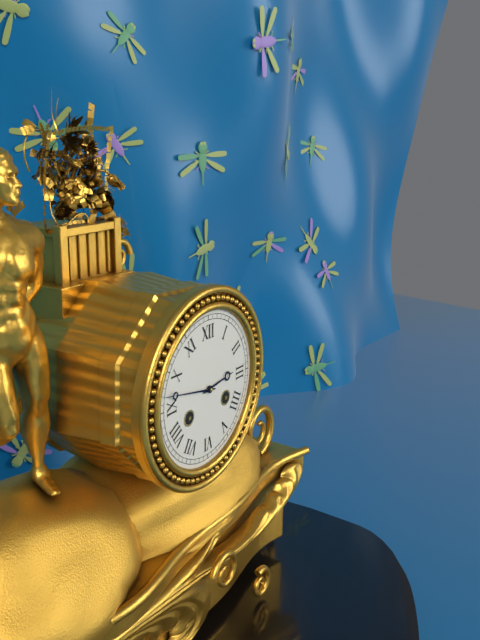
2:47
